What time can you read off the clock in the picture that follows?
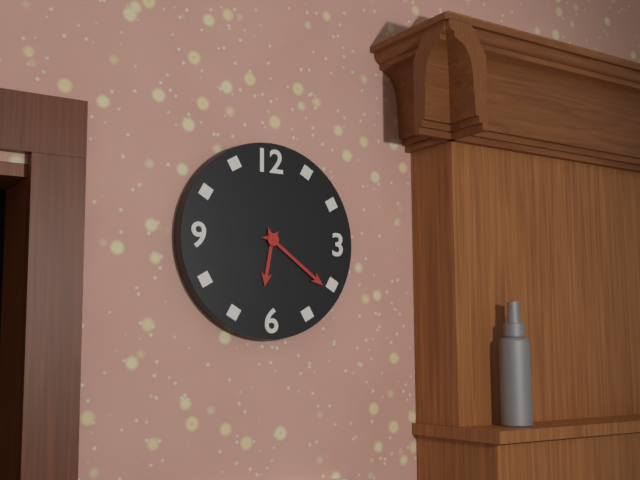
6:21
